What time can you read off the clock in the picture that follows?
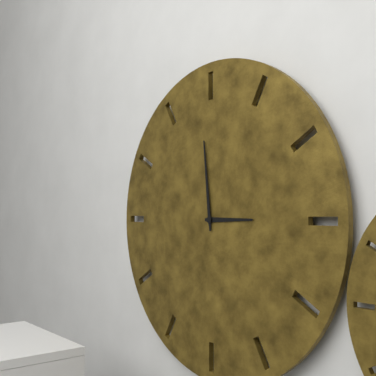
2:59
